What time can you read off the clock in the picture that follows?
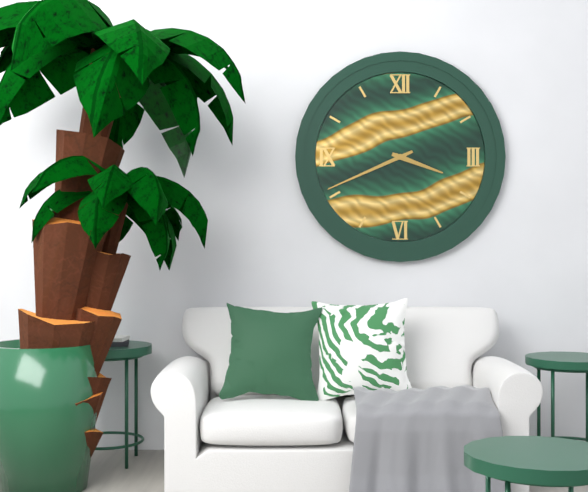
3:41
